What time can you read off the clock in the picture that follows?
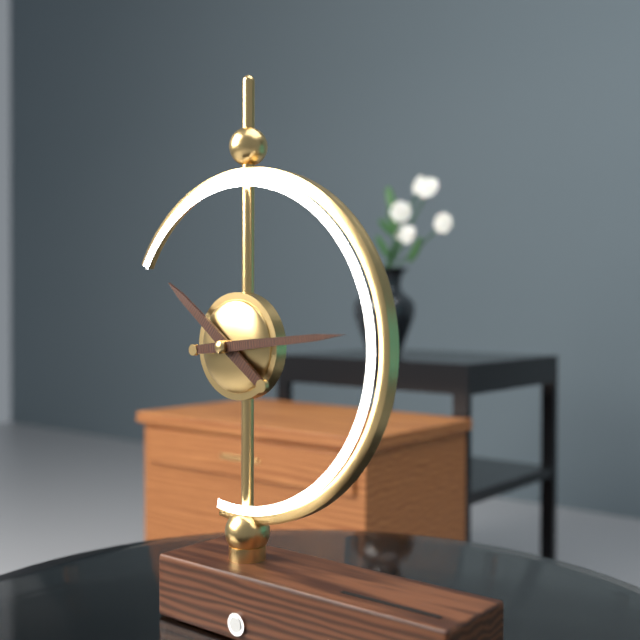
10:14
